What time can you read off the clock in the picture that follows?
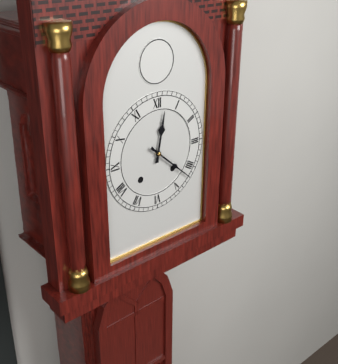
12:22
